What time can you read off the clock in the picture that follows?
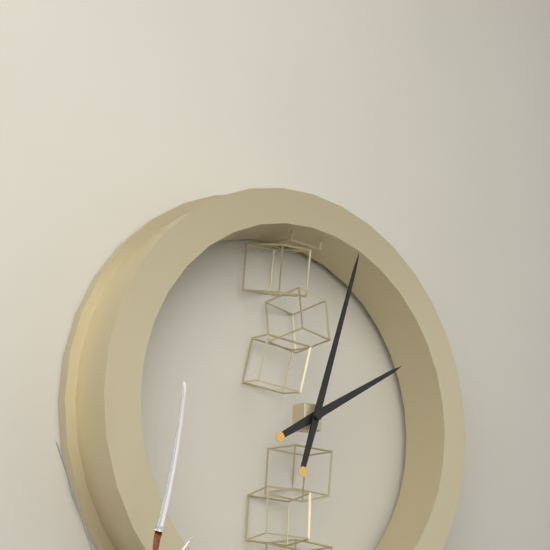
2:03
